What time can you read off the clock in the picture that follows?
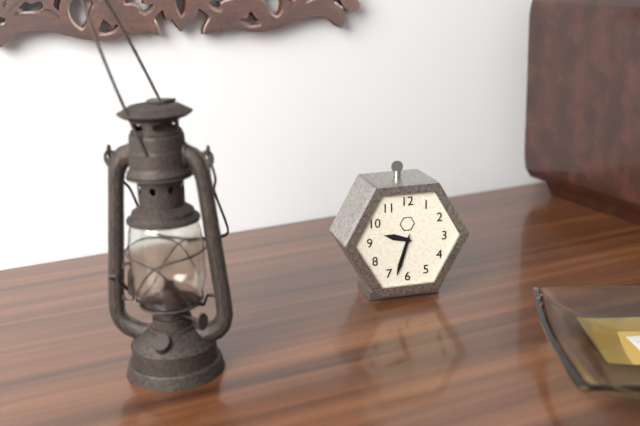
9:33
